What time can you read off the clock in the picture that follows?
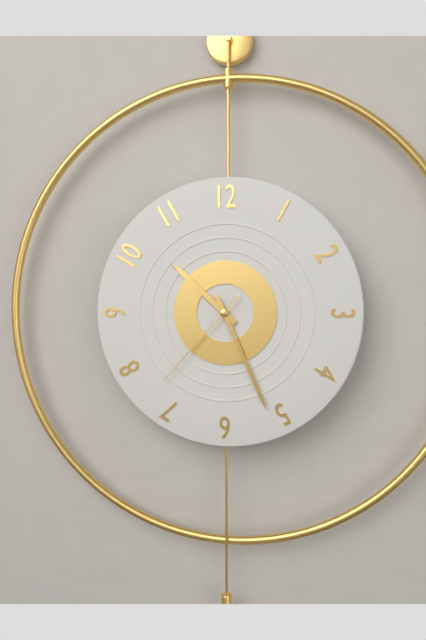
10:26:37
